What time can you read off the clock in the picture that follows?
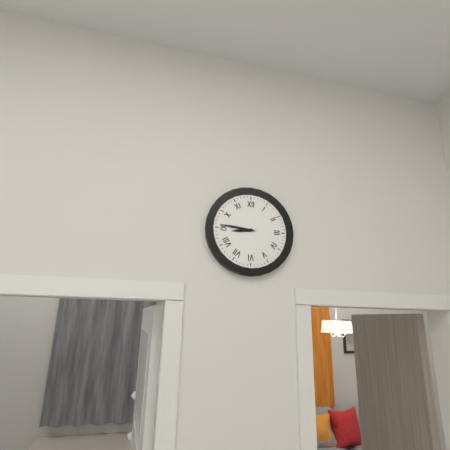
8:46
